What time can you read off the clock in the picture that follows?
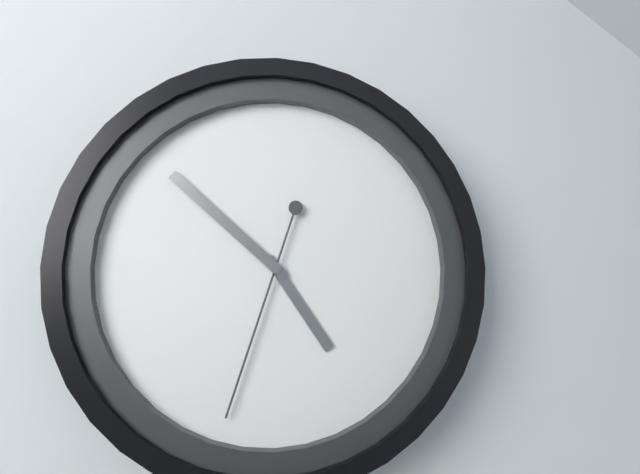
4:52:33
